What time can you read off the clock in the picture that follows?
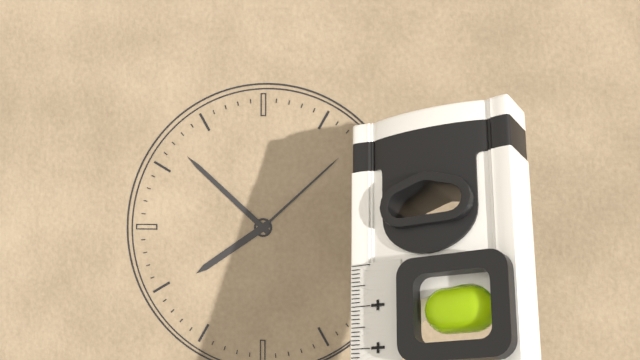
7:52:08
